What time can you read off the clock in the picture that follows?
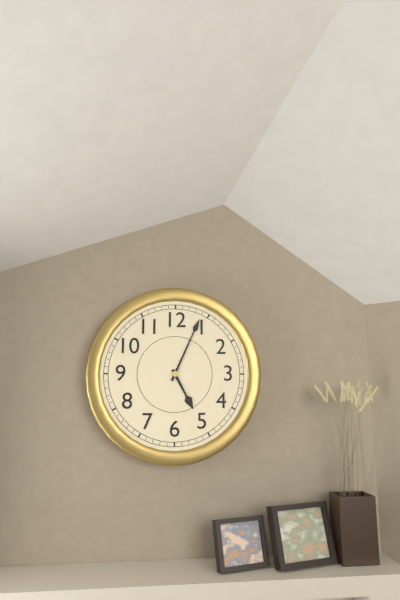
5:04
